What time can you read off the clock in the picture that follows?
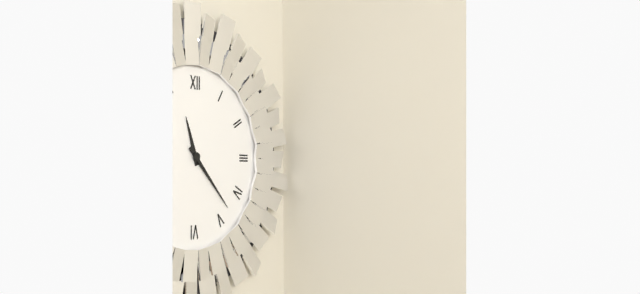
11:23
